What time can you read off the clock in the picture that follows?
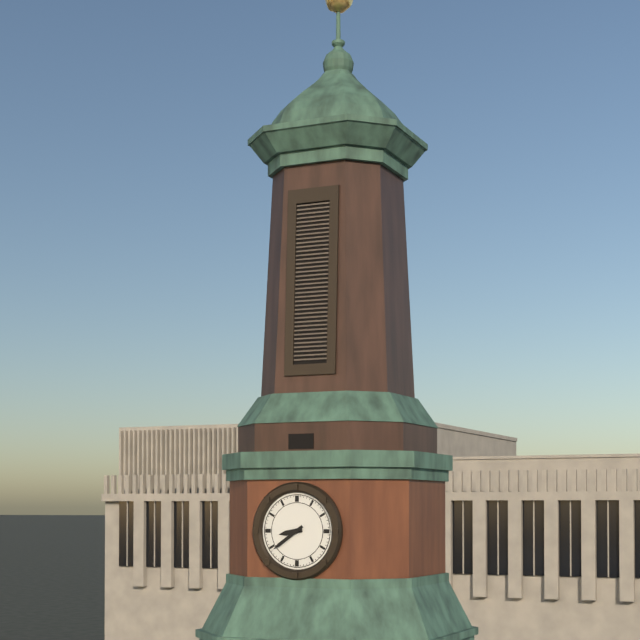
8:39
